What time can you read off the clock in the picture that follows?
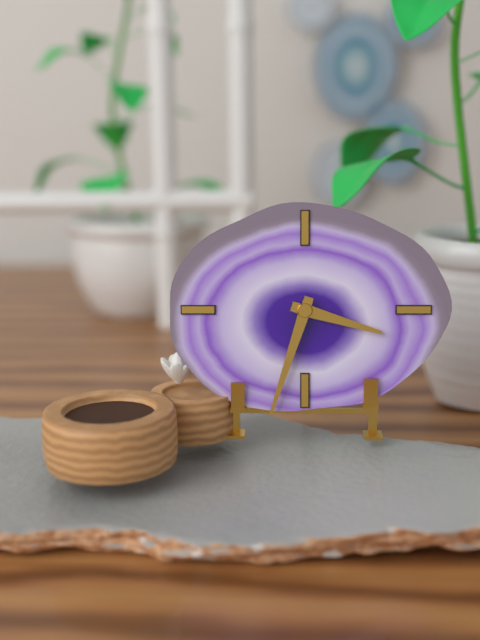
3:33
